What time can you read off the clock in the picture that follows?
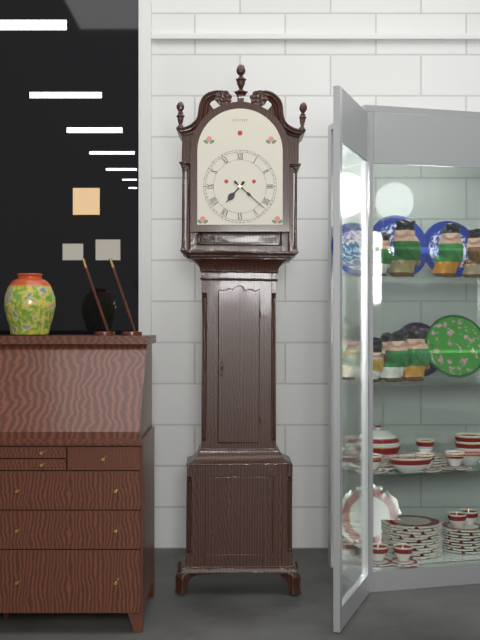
7:22
